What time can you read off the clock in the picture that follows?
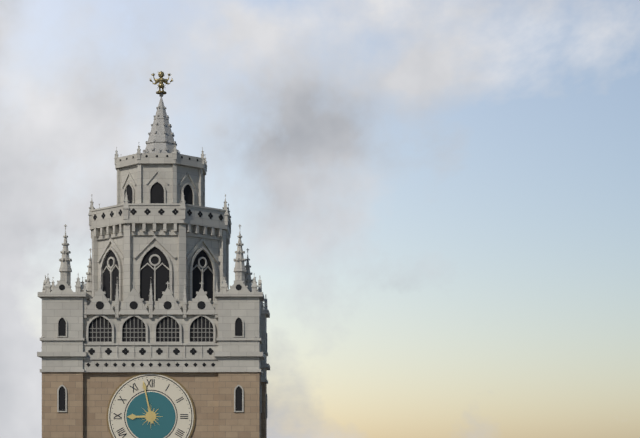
8:58
